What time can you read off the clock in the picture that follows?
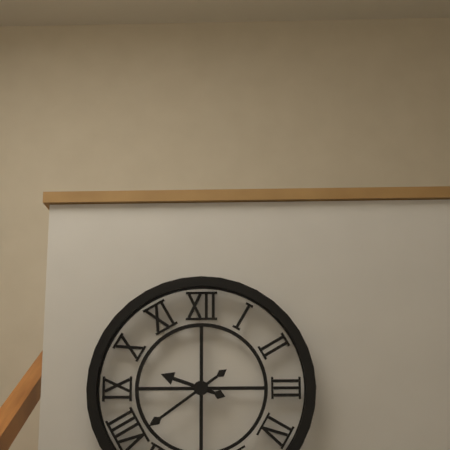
9:39
